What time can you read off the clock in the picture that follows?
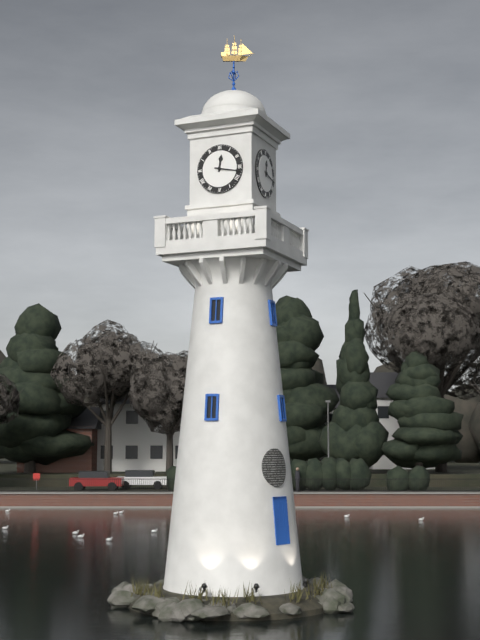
12:17
